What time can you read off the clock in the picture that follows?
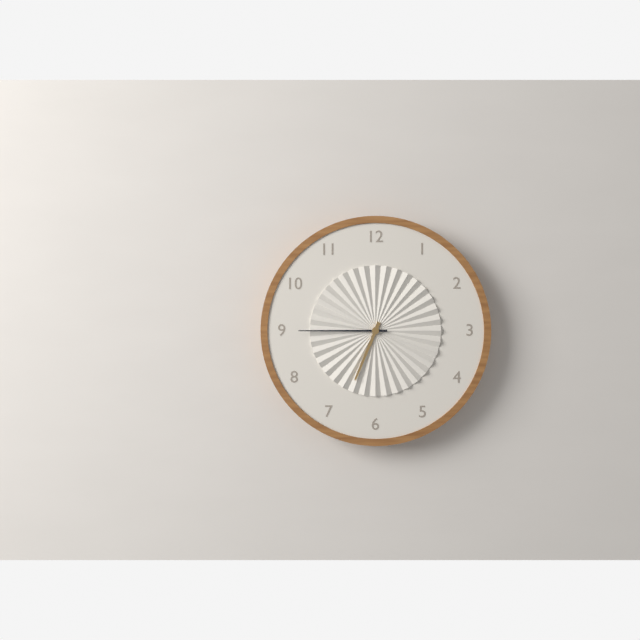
6:45
